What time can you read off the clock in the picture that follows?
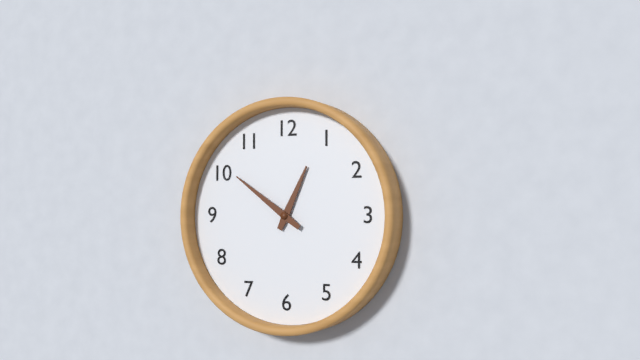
12:51
